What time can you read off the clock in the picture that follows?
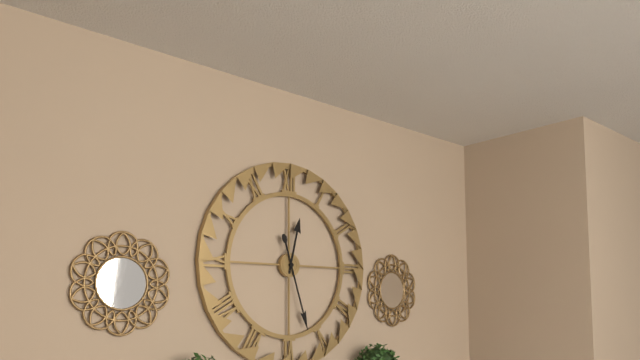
12:27
